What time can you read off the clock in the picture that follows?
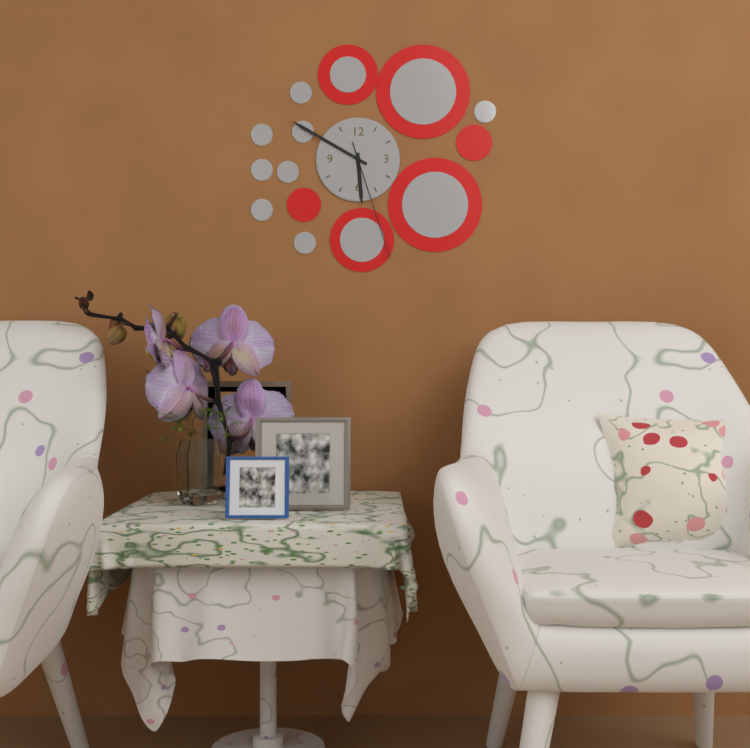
5:50:27
